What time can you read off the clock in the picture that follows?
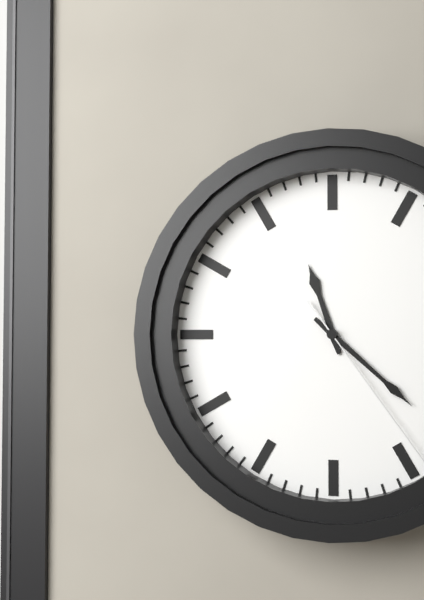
11:22
